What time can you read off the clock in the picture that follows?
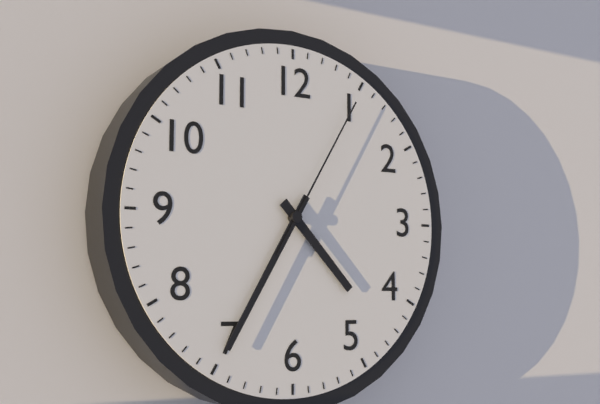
4:35:05
